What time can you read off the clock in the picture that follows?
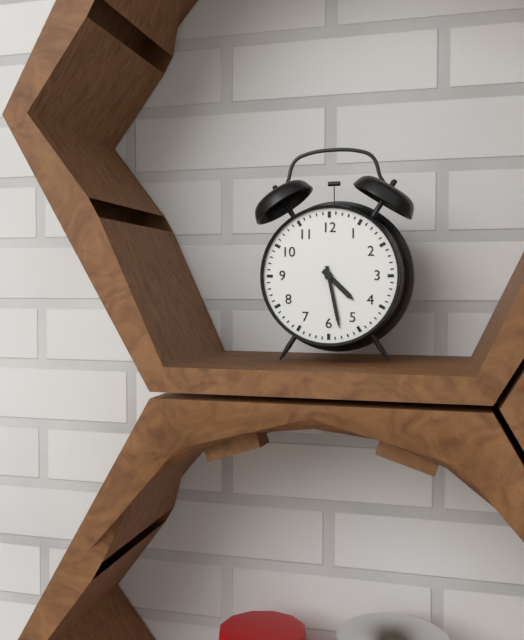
4:28
